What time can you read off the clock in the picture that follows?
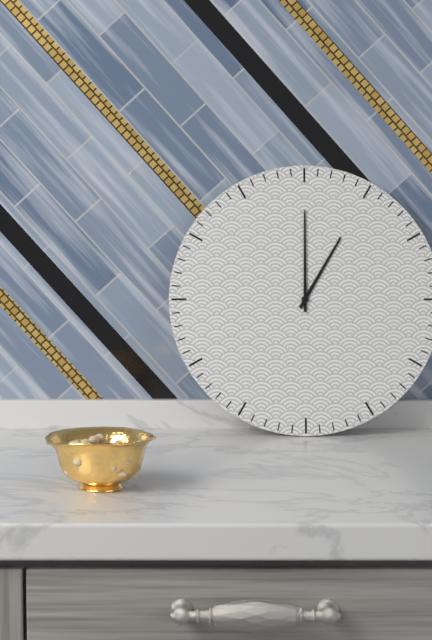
1:00
